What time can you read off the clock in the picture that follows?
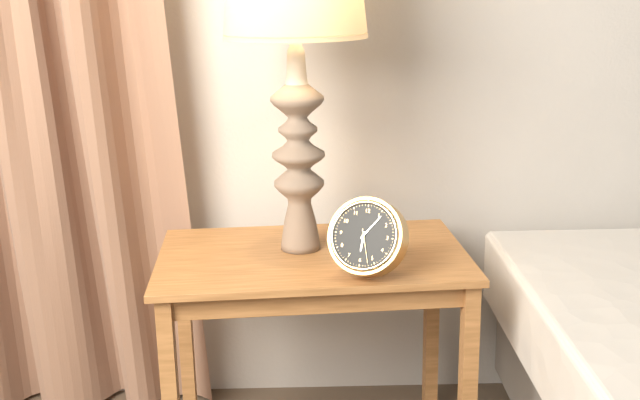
6:06
